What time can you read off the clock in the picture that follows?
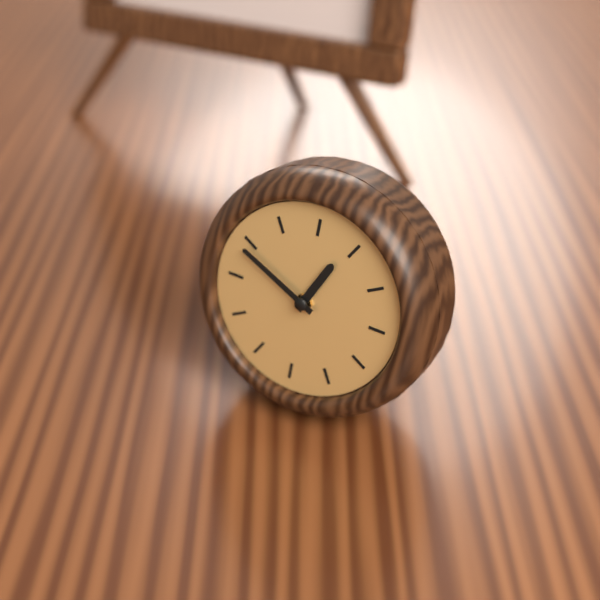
12:49
